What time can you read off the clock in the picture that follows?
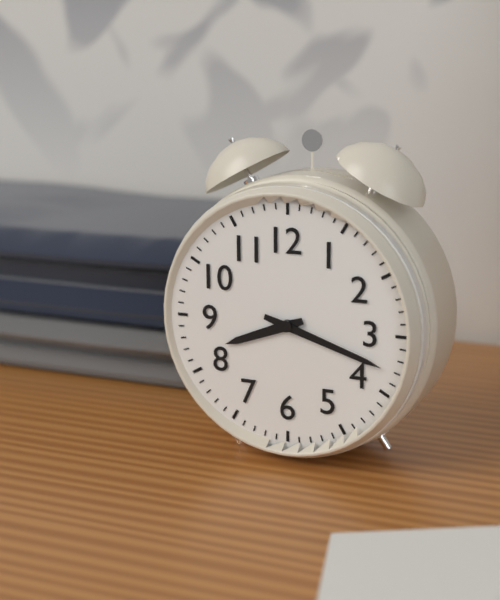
8:18
